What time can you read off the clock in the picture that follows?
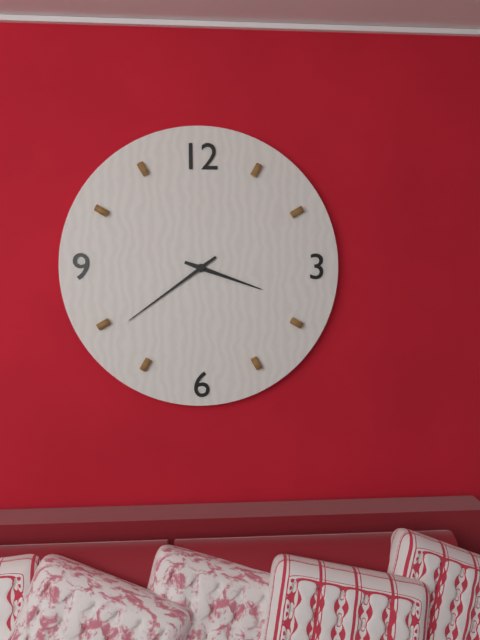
3:39
